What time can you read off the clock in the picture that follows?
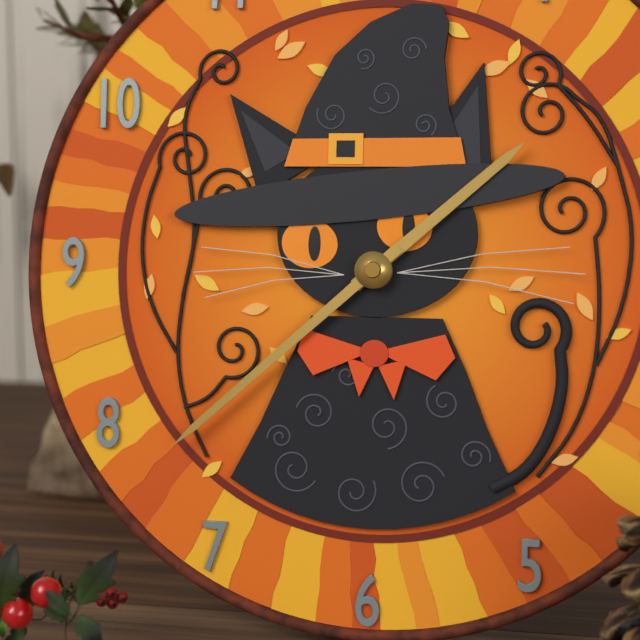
1:38
